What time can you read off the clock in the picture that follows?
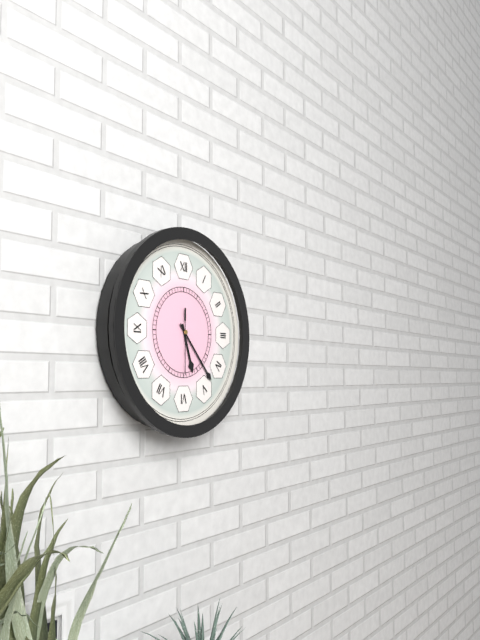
5:23:30
